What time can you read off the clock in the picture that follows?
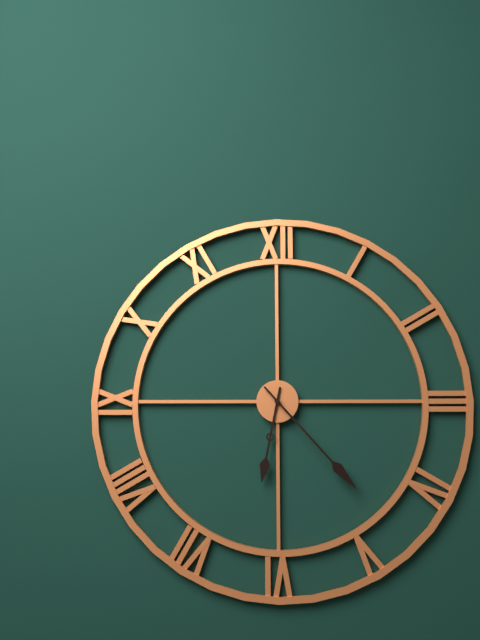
6:23
